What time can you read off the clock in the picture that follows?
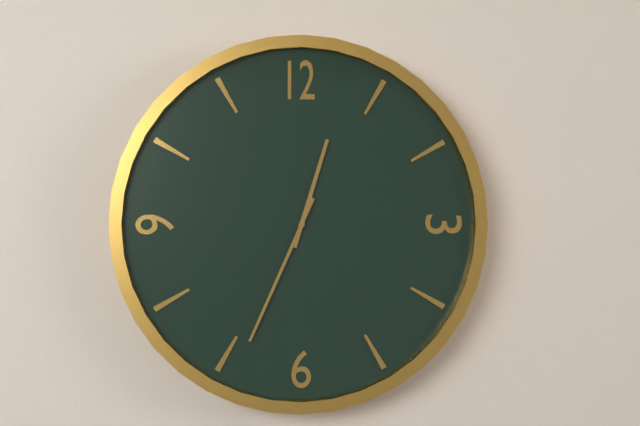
12:34
